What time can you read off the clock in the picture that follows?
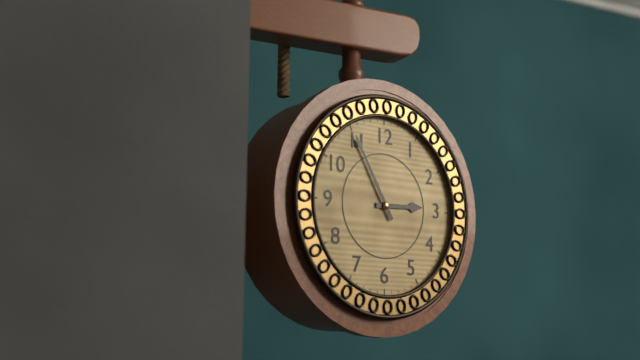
2:55
